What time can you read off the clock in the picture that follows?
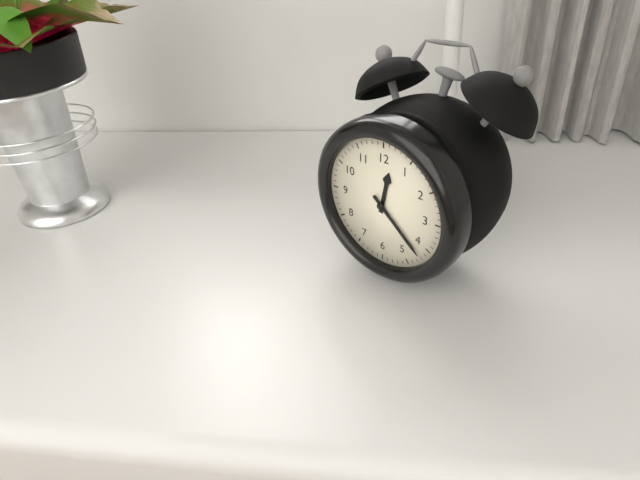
12:22
